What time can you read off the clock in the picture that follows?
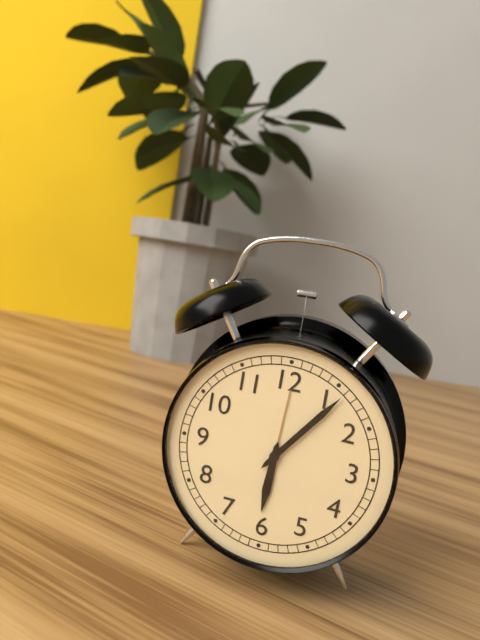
6:06
